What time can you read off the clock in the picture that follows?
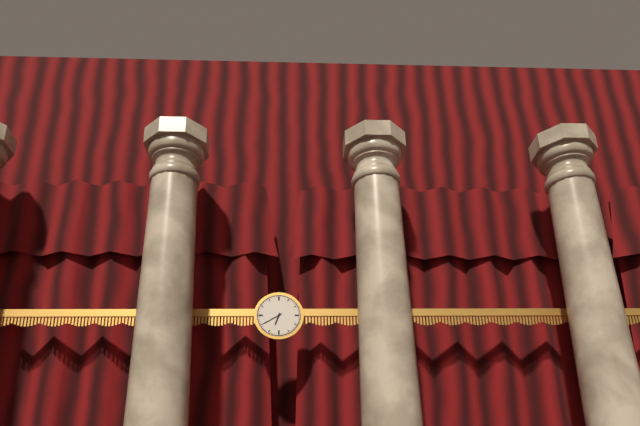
6:40
